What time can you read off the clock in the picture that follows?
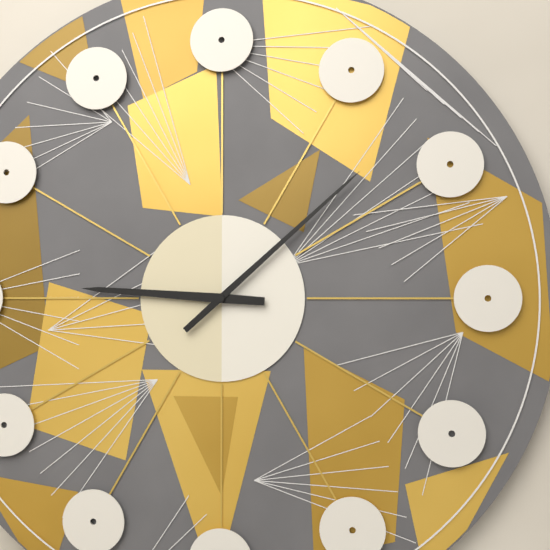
9:08
